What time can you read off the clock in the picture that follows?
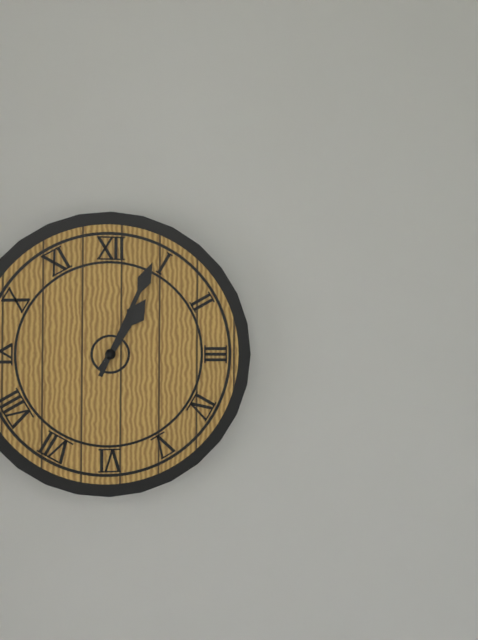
1:04
